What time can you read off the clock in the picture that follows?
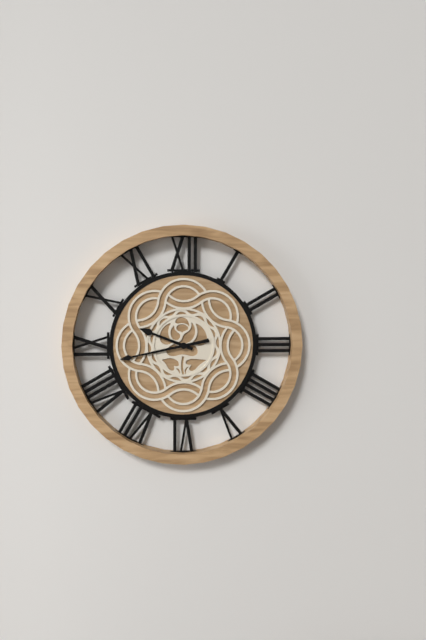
9:43
